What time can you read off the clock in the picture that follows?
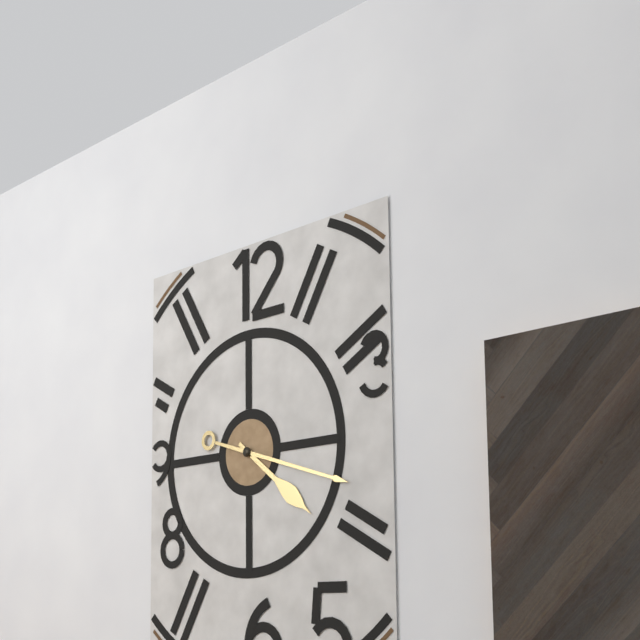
4:18
